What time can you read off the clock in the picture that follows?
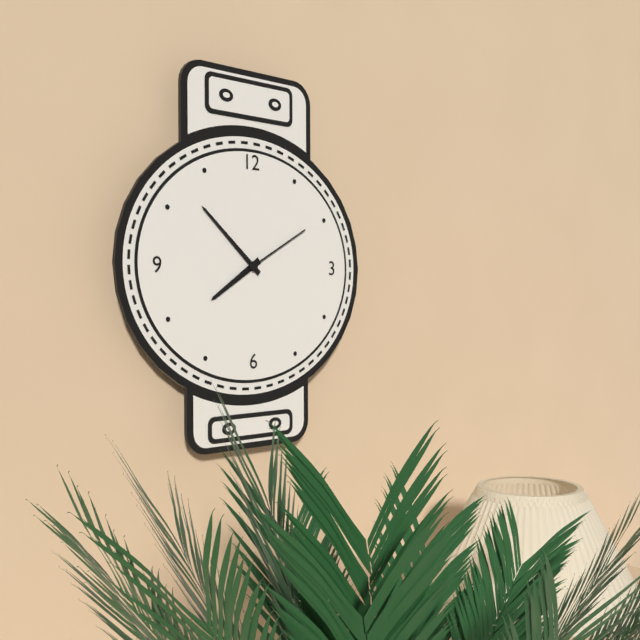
7:52:10
